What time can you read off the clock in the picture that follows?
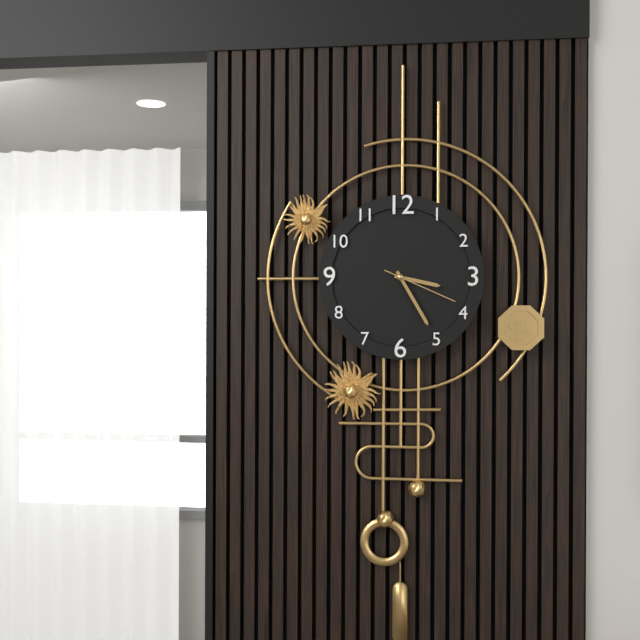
3:25:19
